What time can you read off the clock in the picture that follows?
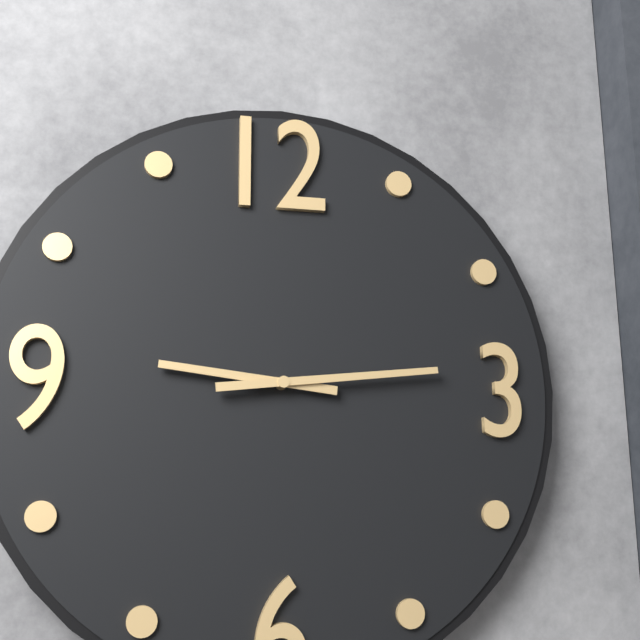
9:14
